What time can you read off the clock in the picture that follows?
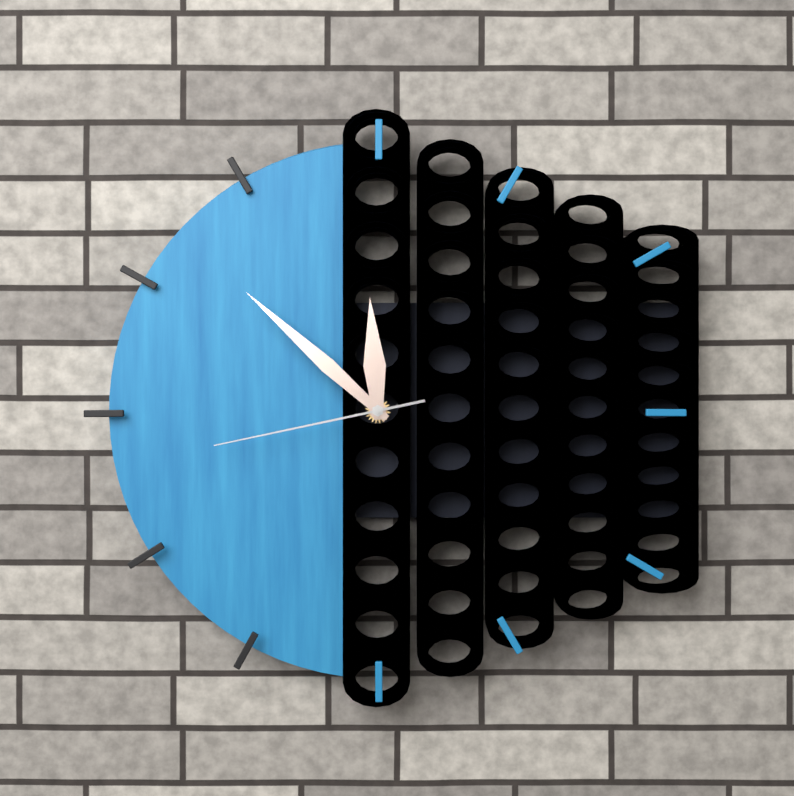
11:52:43
